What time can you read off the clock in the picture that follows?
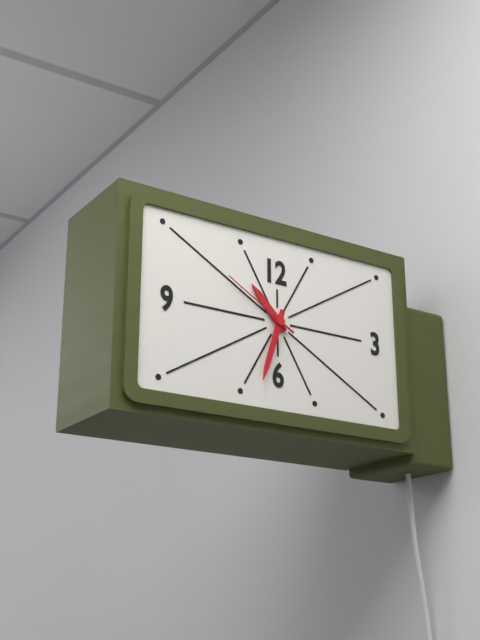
10:33:50
